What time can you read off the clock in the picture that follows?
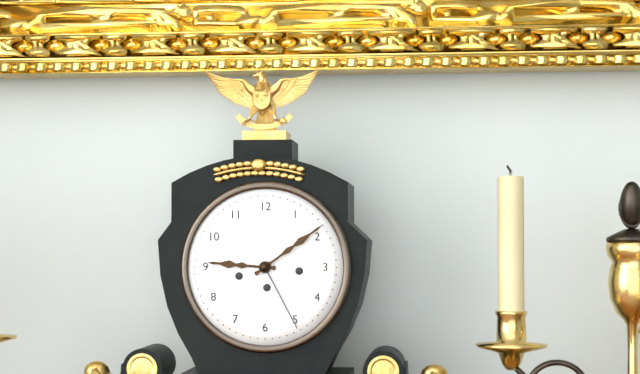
9:09
